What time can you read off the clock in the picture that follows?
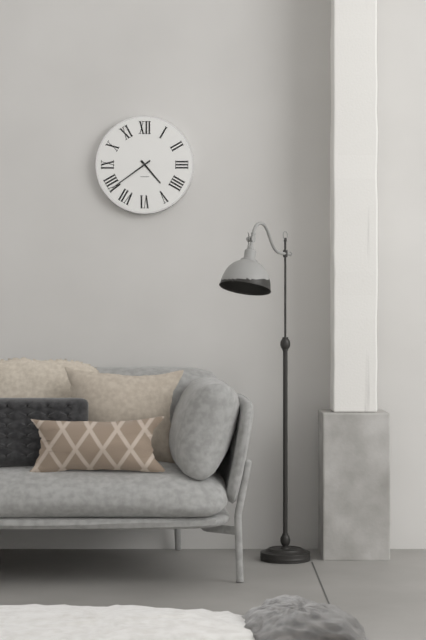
4:39
